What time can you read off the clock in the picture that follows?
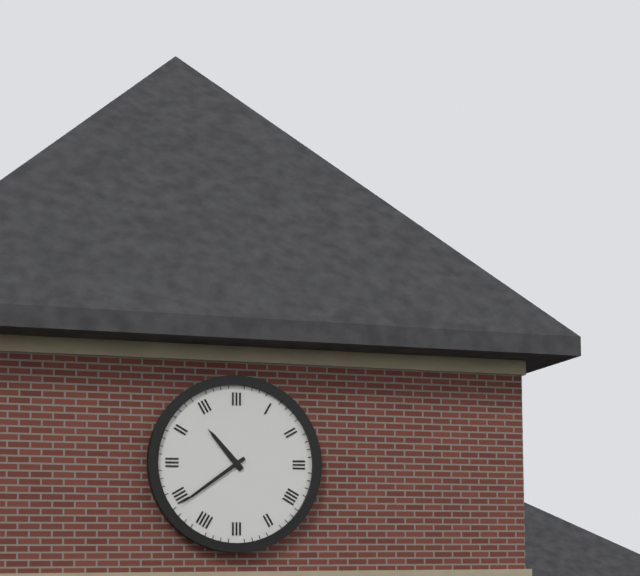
10:39
